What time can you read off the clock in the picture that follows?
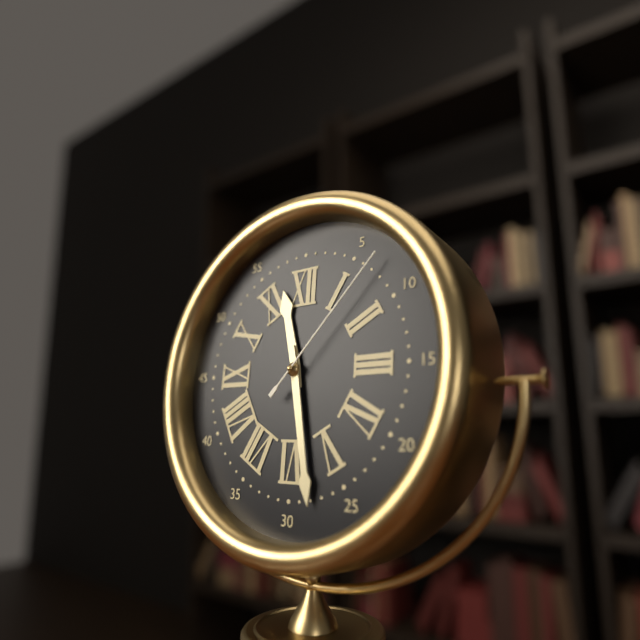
11:28:07
